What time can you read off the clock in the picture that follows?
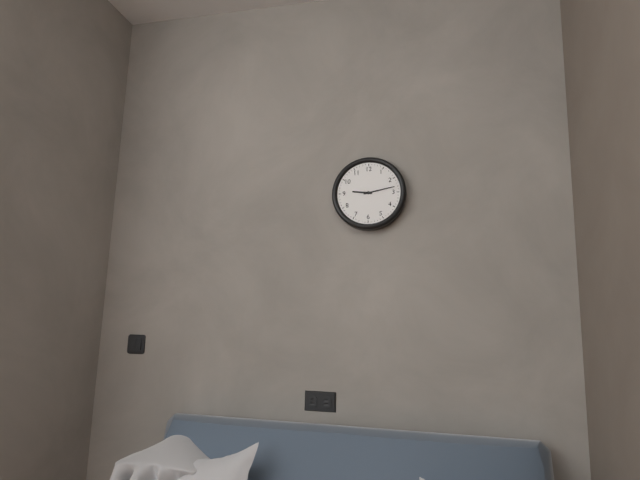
9:13
